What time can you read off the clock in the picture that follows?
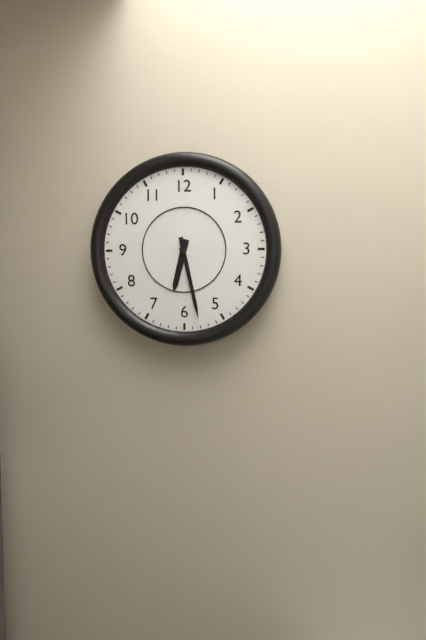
6:28
